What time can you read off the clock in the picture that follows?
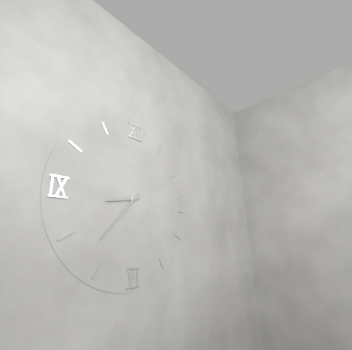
8:37
